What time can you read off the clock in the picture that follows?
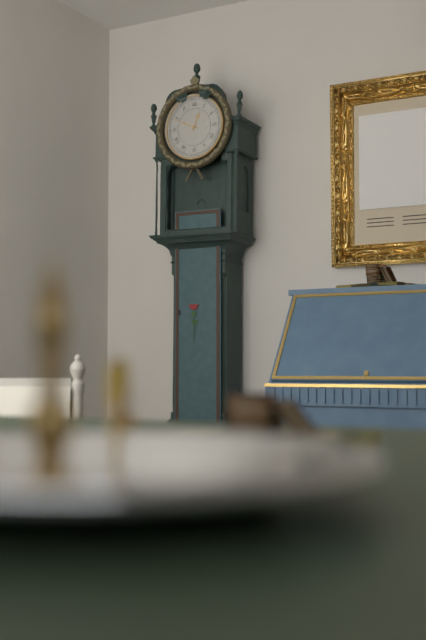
12:49
